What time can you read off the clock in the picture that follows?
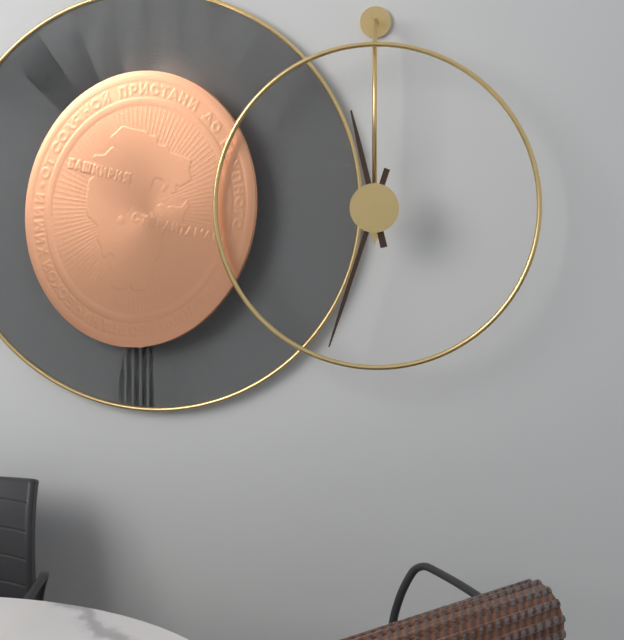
11:33
